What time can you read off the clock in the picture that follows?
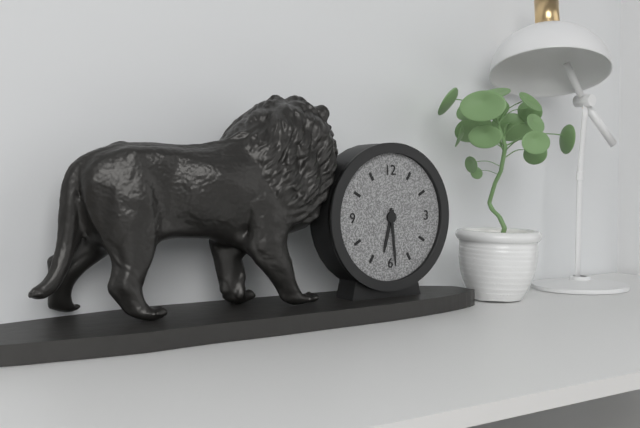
6:29
